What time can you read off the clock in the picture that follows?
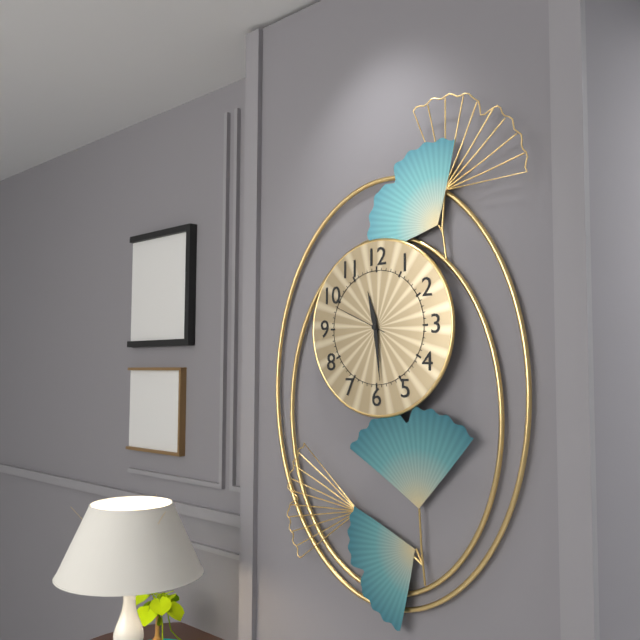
11:29:49
